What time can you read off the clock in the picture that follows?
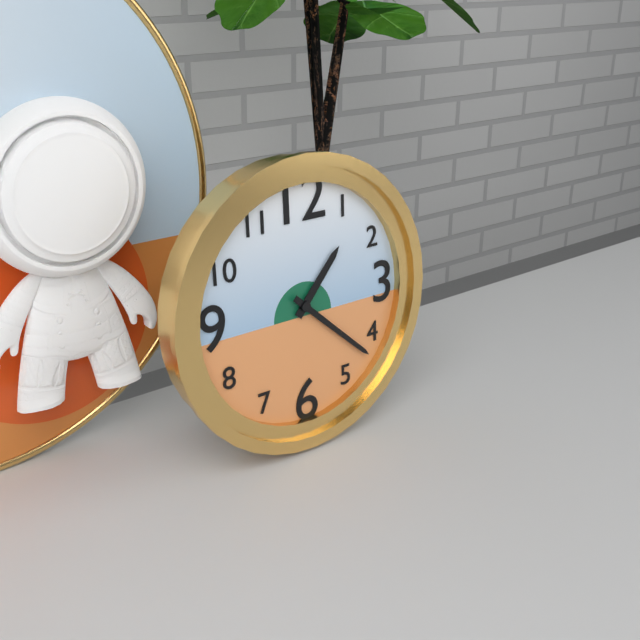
1:22
